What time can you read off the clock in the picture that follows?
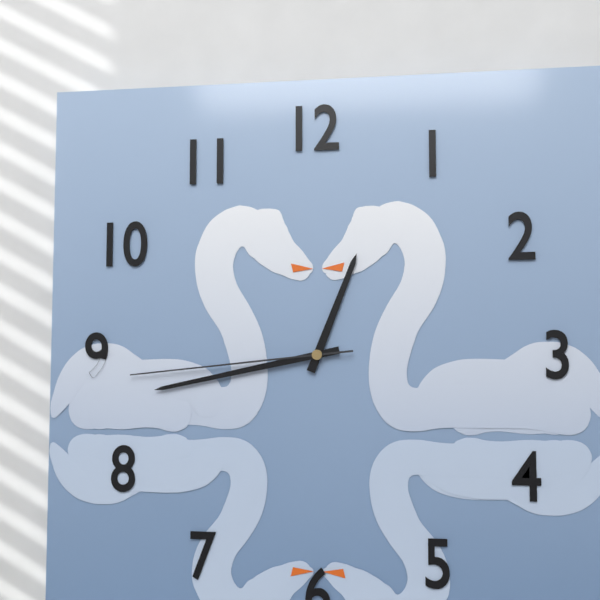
12:43:44
